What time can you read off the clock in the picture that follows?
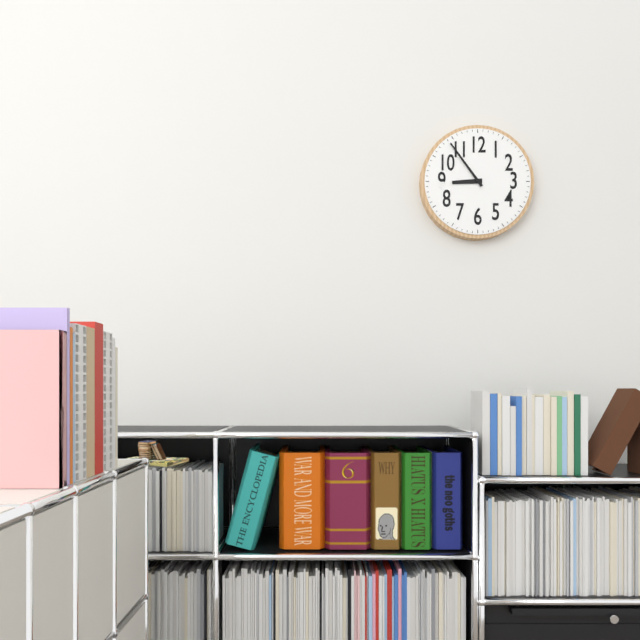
8:54
